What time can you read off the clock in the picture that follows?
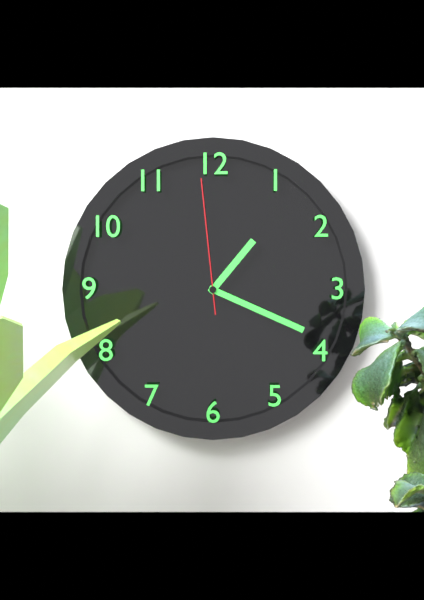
1:19:59
